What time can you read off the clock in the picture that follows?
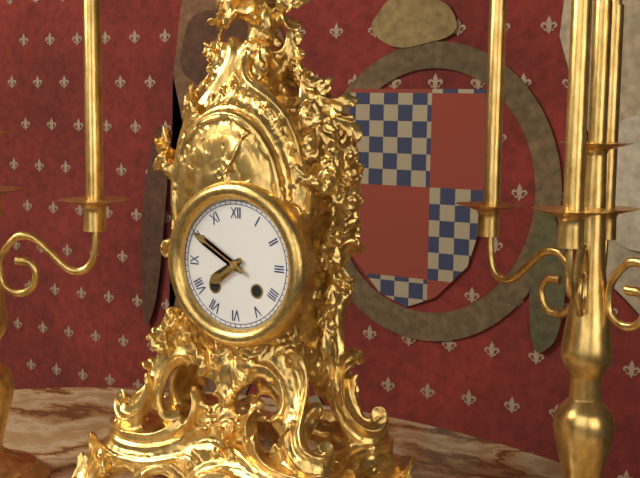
7:50
